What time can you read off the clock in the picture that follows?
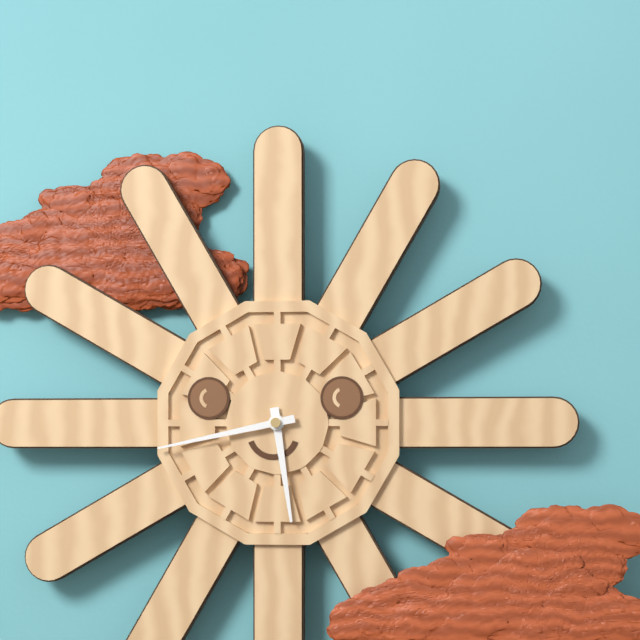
5:43
